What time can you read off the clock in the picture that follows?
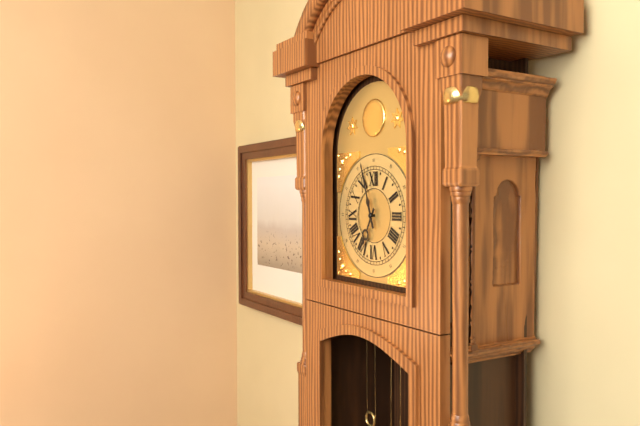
6:57
